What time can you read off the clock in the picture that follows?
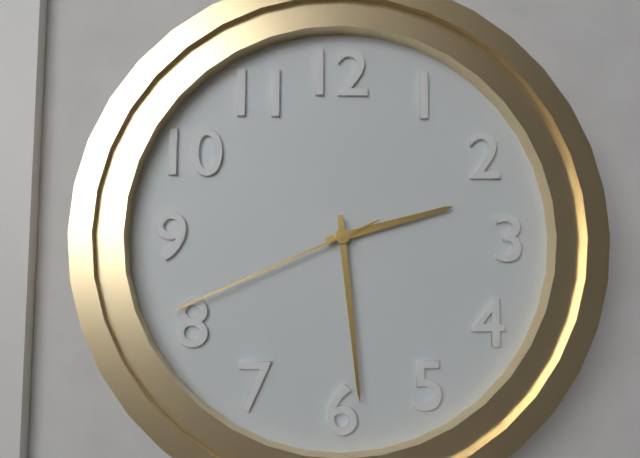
2:29:41
